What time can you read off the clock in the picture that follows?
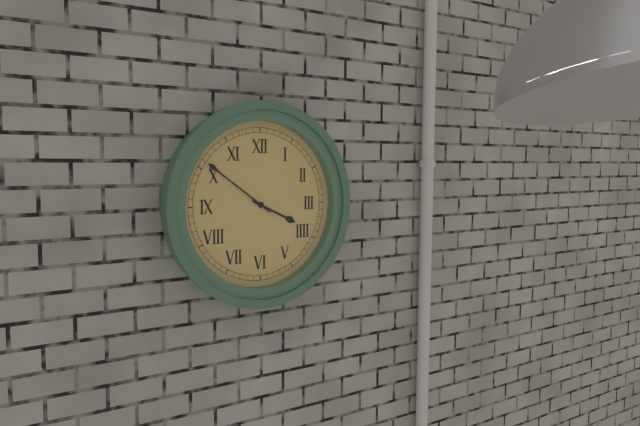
3:51
